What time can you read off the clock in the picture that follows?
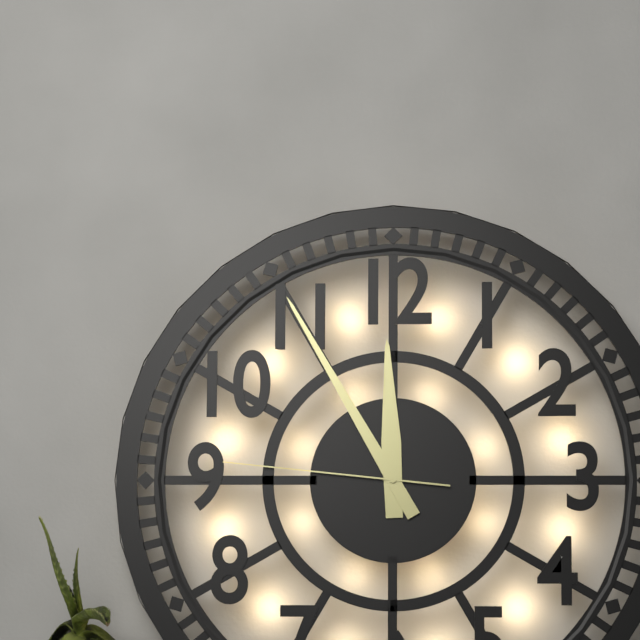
11:55:46
